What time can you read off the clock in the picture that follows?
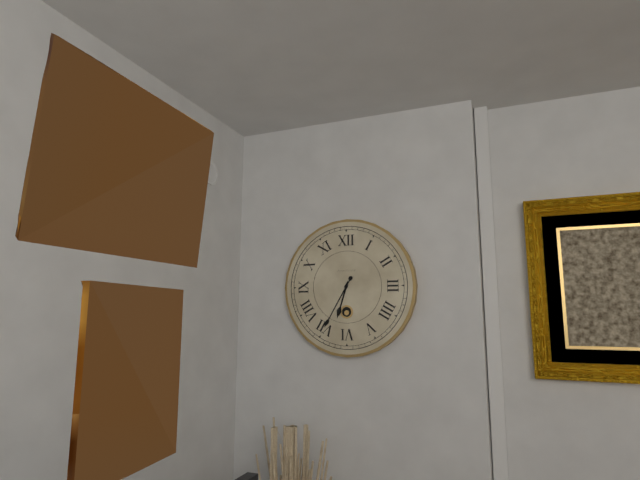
6:35
